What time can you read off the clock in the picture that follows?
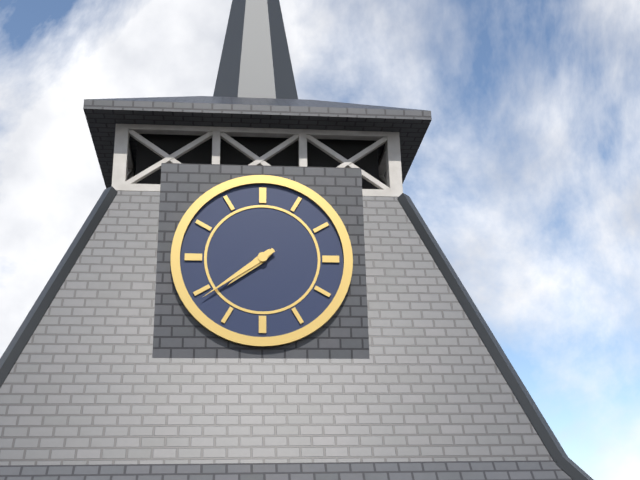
7:39
